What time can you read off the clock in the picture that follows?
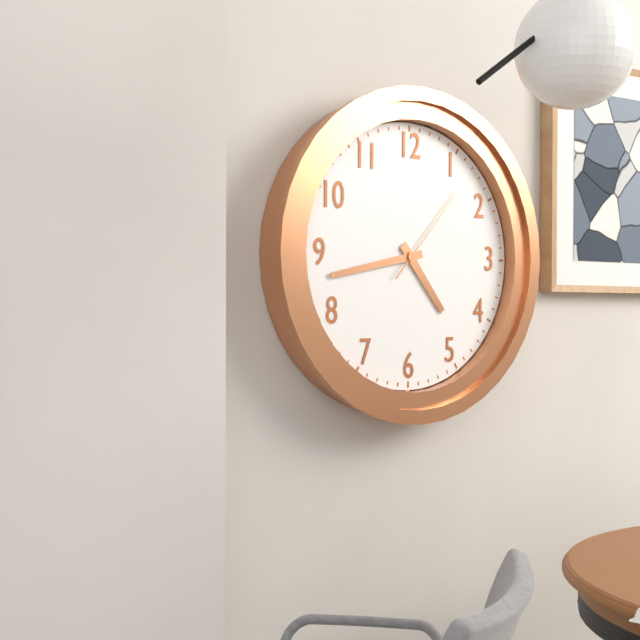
4:43:07
